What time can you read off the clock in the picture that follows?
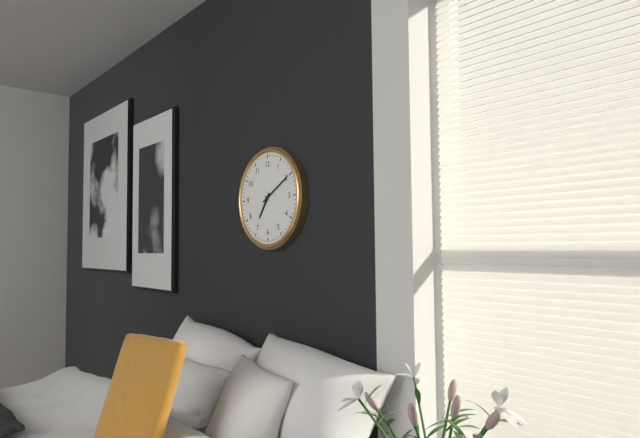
7:10
